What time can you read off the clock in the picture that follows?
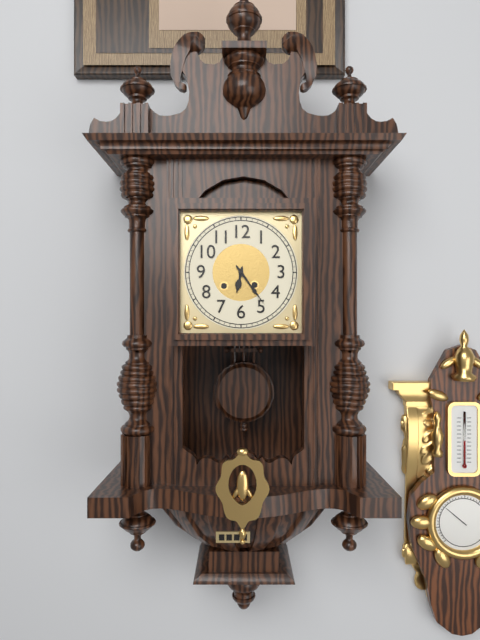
6:24
